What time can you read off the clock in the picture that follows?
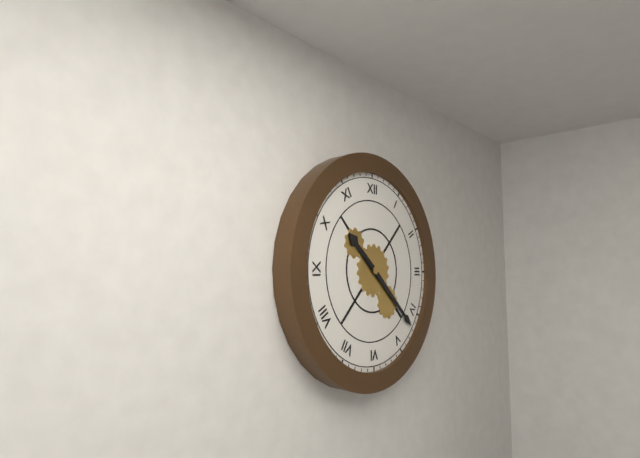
10:22
